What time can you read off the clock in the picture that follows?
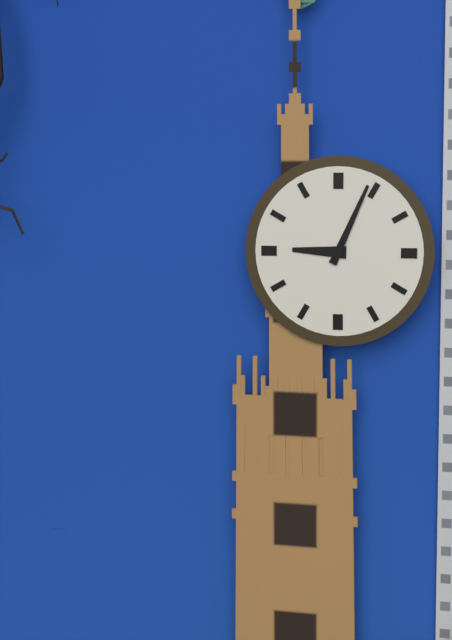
9:04
